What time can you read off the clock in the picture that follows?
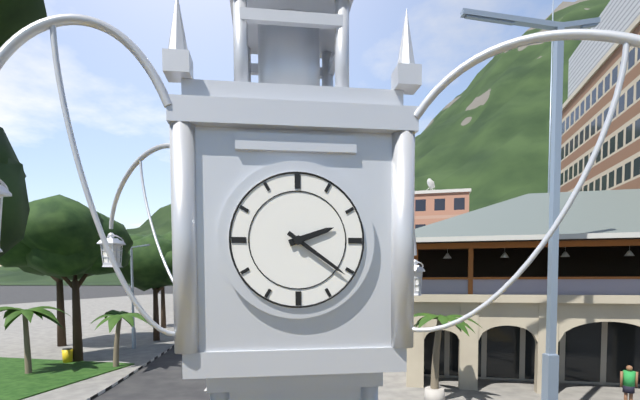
2:21
